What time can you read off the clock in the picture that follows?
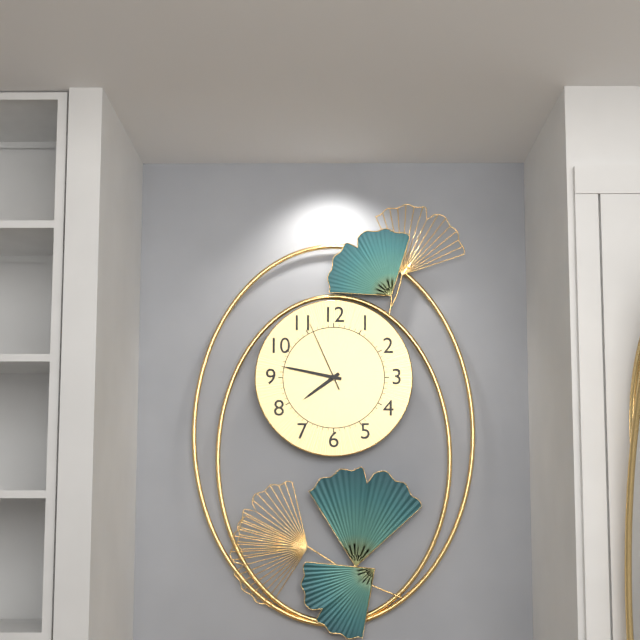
7:47:56
